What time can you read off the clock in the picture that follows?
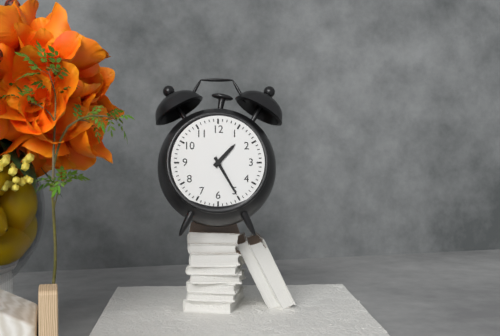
1:25
